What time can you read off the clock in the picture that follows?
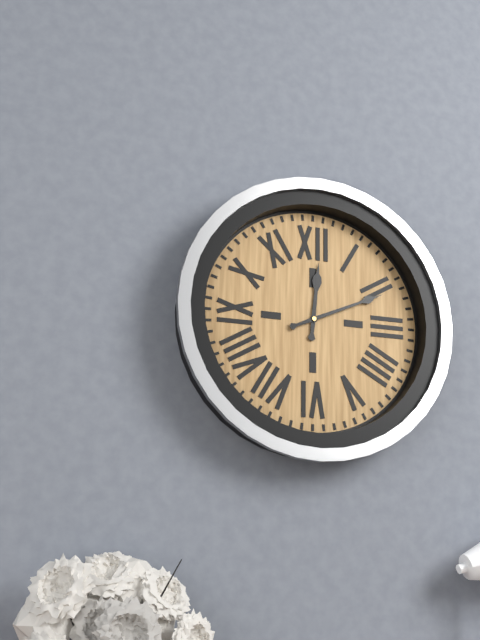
12:11
